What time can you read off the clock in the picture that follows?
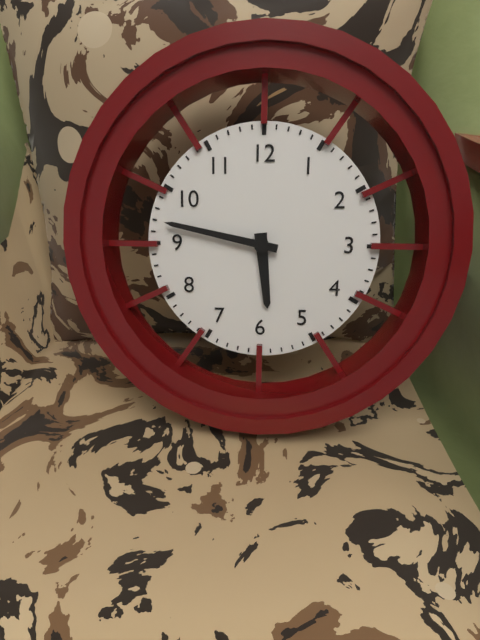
5:47
